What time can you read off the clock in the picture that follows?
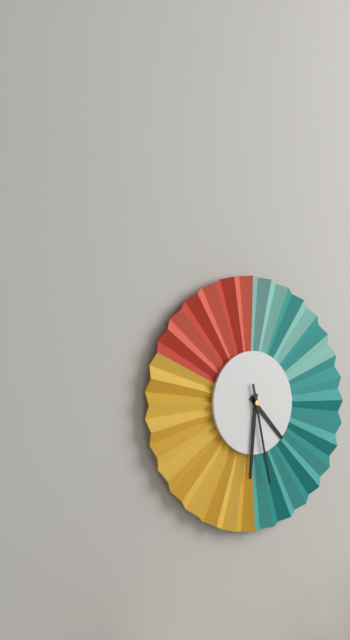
4:31:28
